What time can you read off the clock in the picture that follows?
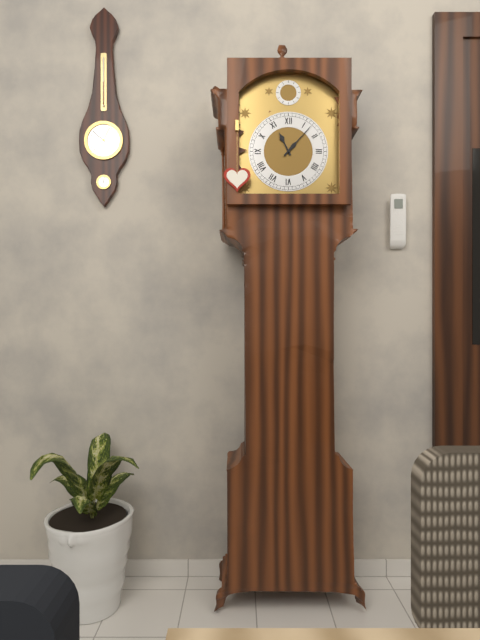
11:07
